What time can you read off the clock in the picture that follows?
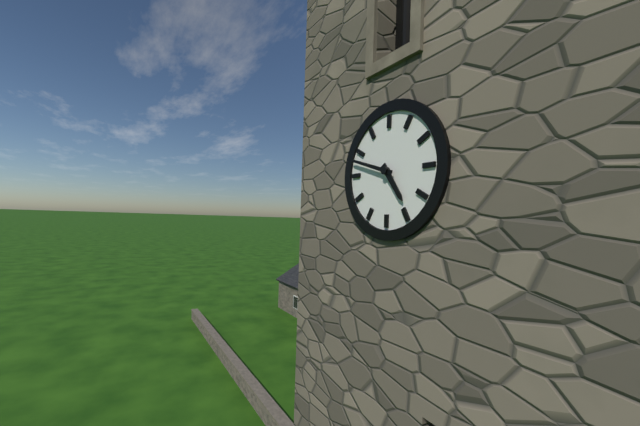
4:48
